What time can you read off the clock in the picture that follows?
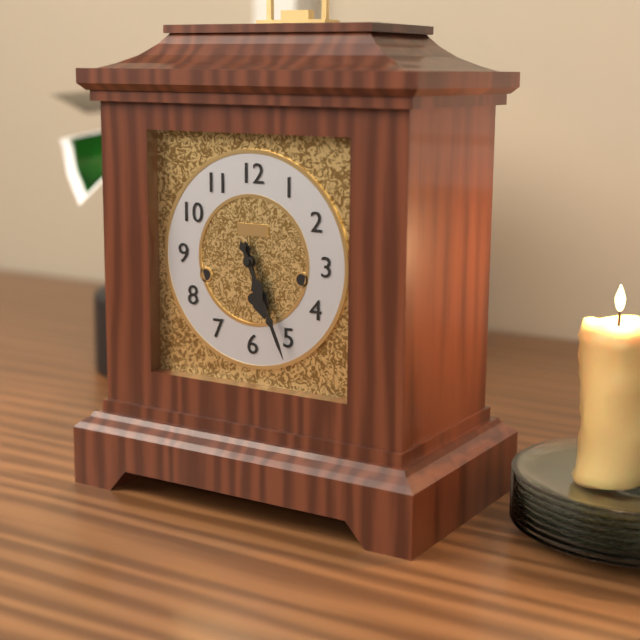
5:26
